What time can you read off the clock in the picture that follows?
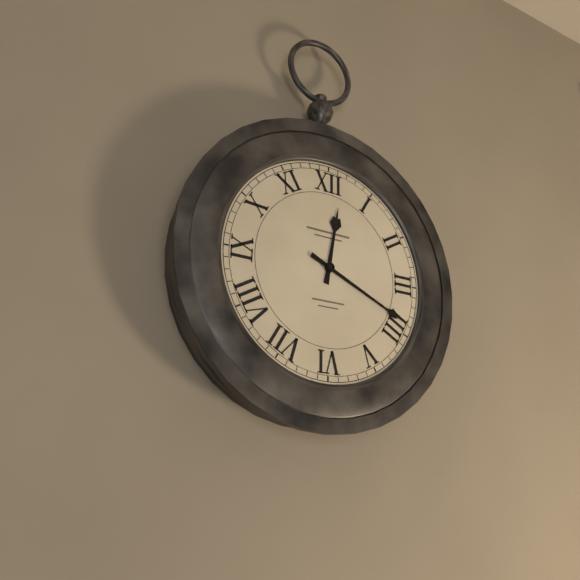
12:19
